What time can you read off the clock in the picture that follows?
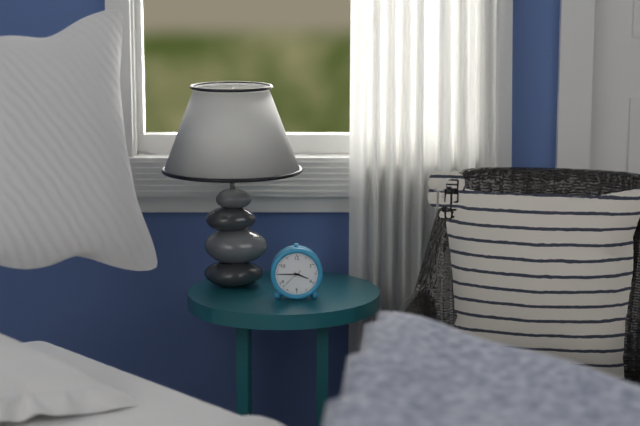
3:45
